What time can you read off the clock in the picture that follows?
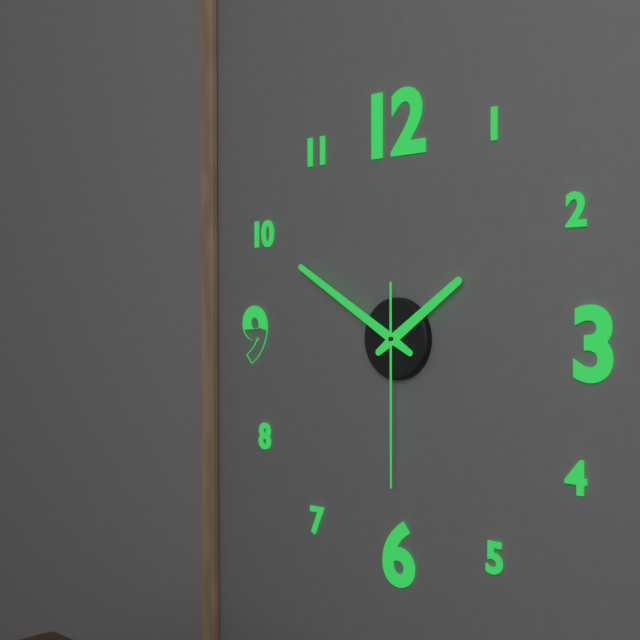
1:50:30
